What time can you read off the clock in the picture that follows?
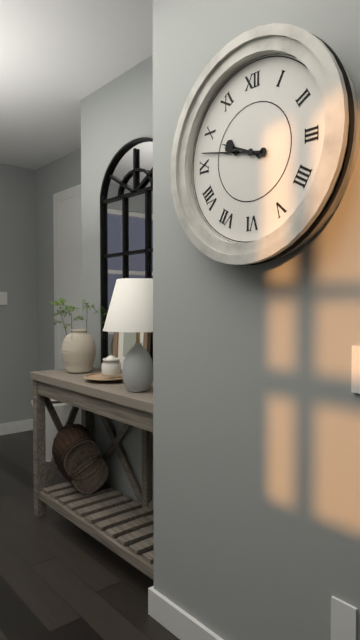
9:47
